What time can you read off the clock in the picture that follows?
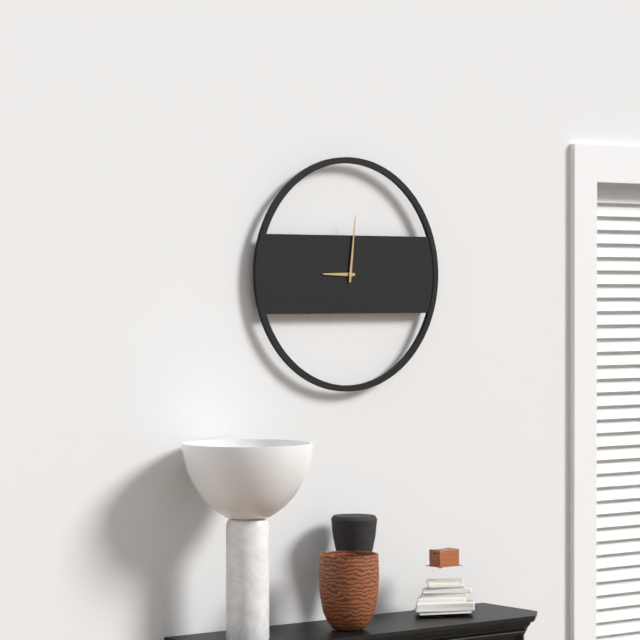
9:01
